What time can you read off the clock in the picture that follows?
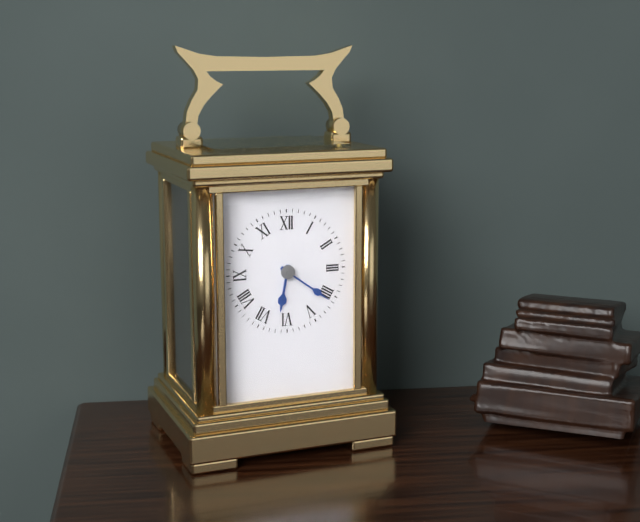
6:21
